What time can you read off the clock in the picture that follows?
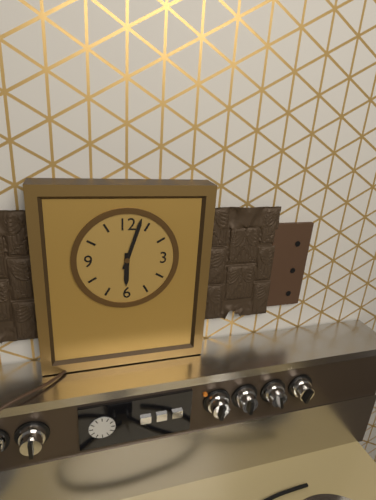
6:03
